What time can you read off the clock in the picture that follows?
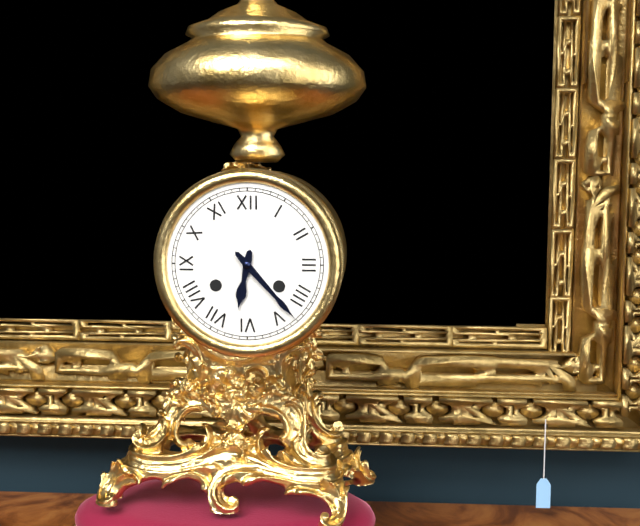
6:23
